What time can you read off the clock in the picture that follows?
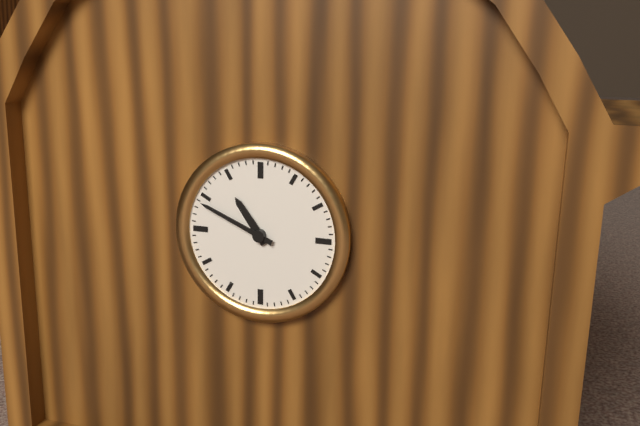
10:49
